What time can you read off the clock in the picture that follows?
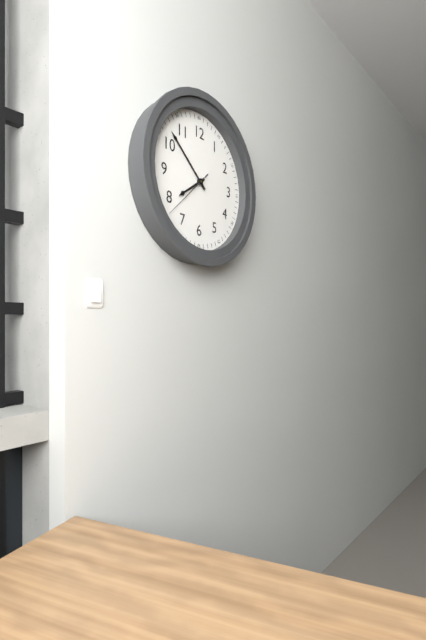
7:52:38
